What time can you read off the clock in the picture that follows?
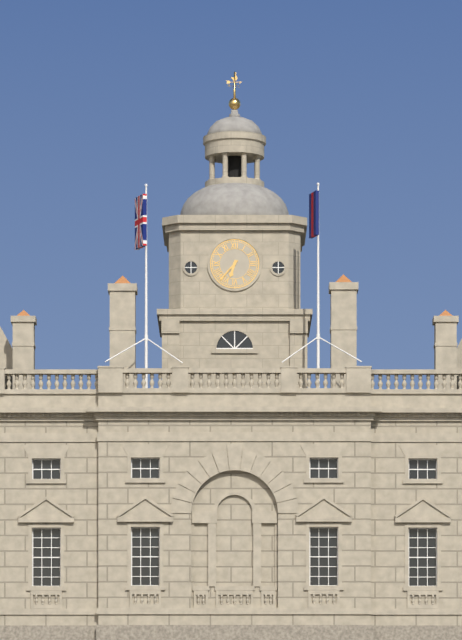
6:37
